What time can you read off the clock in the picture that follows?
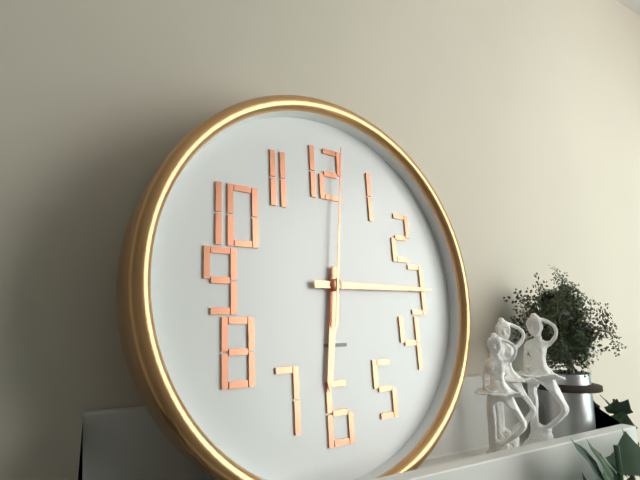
6:15:01
